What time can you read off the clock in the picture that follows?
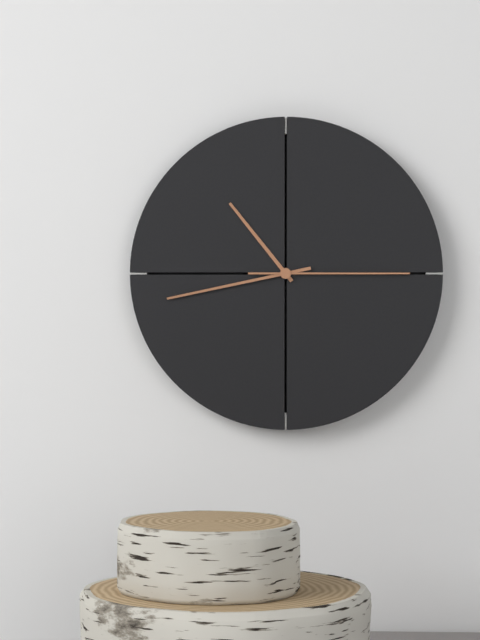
10:43:15
